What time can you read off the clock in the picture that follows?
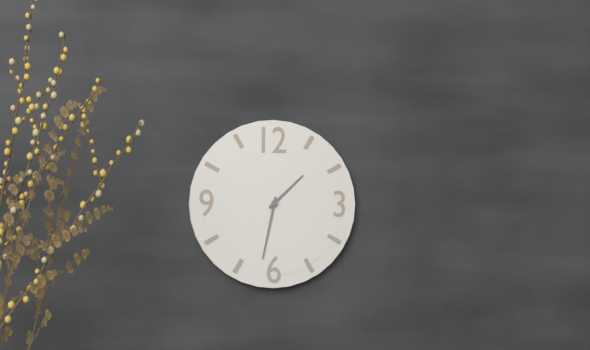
1:32
